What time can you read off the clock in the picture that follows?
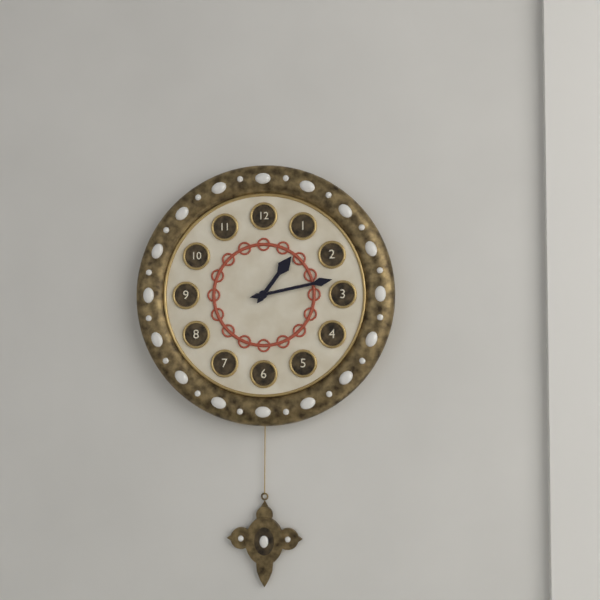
1:13
